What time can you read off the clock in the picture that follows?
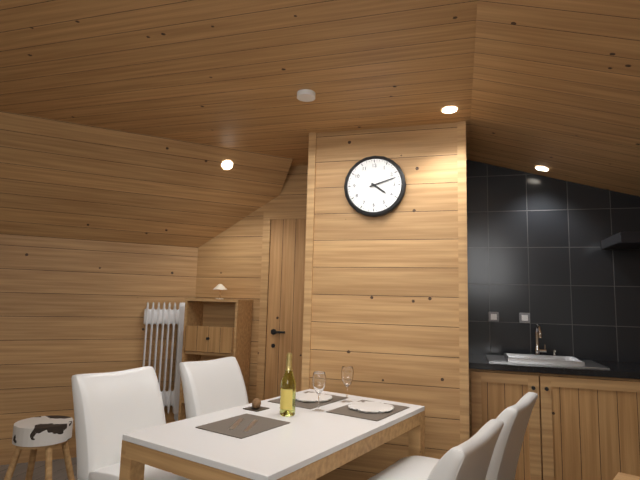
4:12
